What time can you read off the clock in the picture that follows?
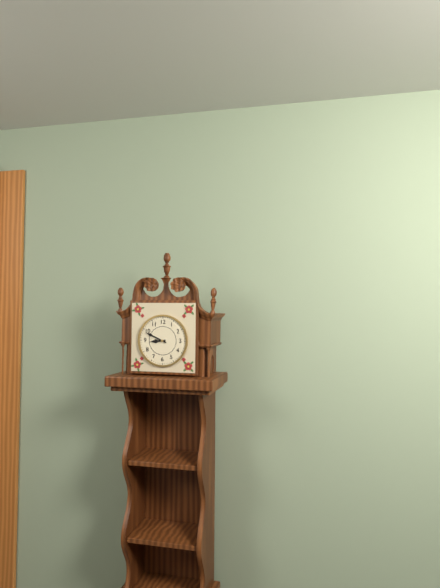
8:49
